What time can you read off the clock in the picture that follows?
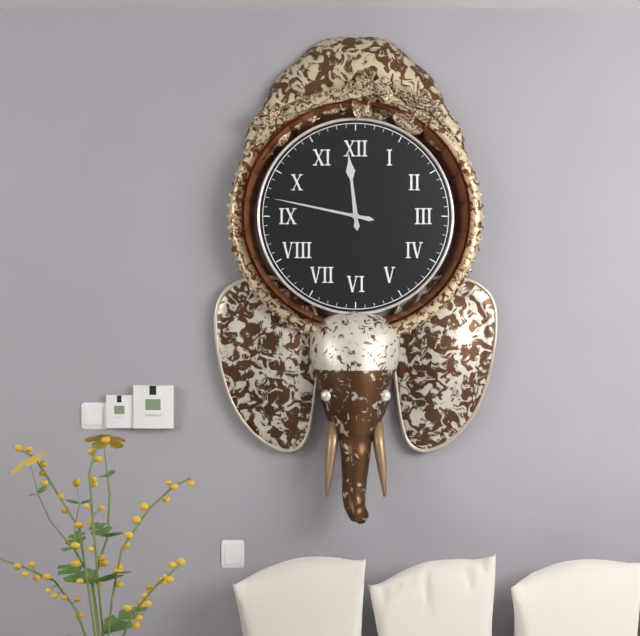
11:47
